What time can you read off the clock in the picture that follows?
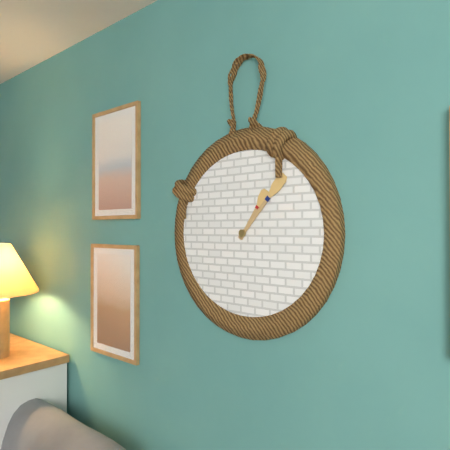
1:07
